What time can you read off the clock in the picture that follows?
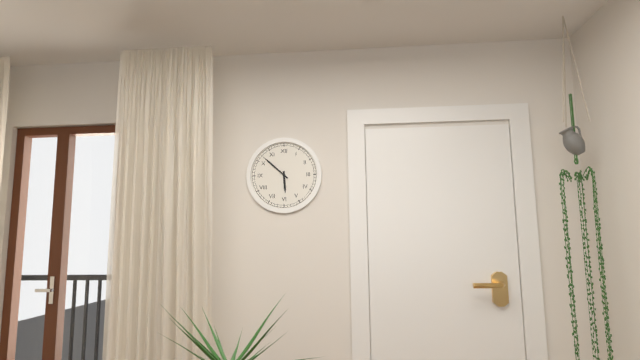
5:52
